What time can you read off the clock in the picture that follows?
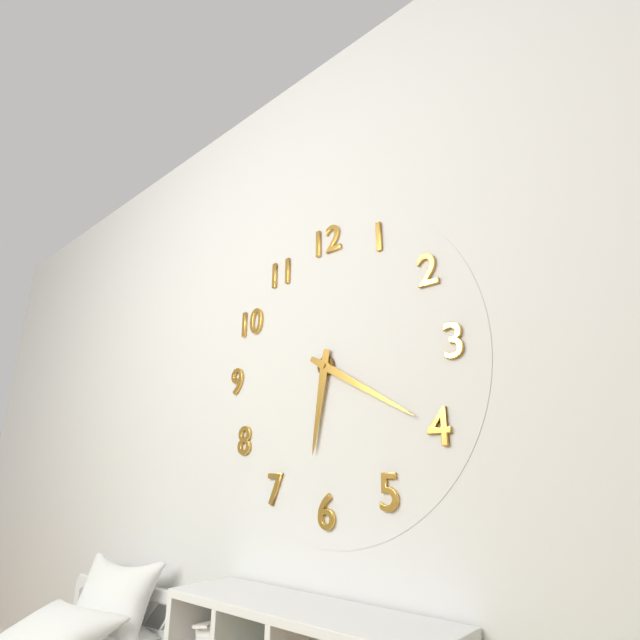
6:20
